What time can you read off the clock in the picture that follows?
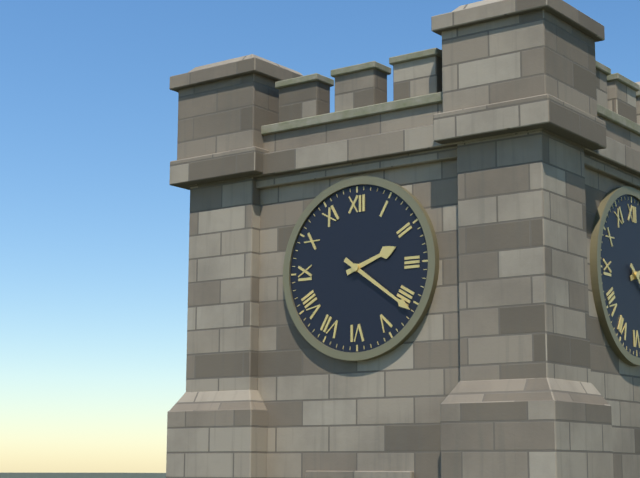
2:21
